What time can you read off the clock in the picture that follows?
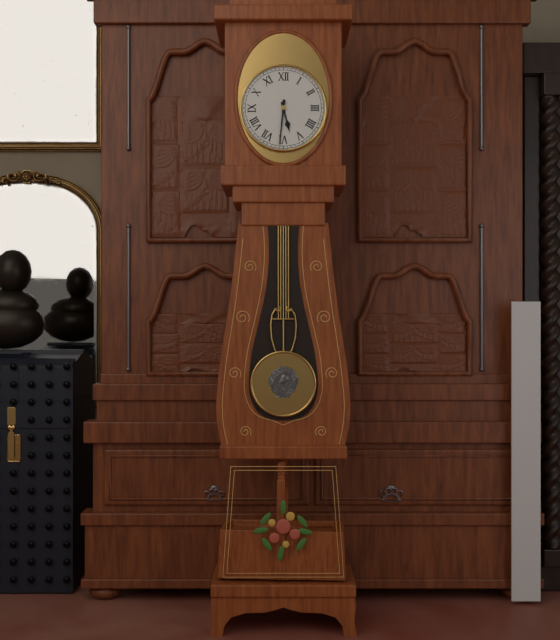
5:31
